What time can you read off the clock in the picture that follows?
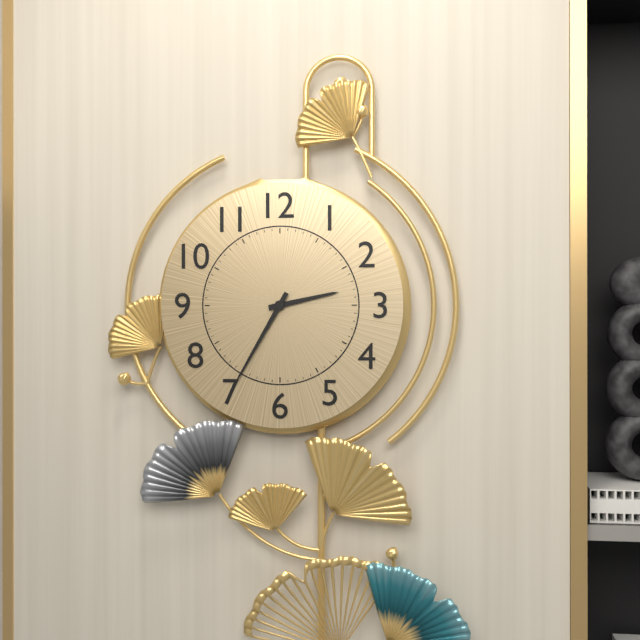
2:35
